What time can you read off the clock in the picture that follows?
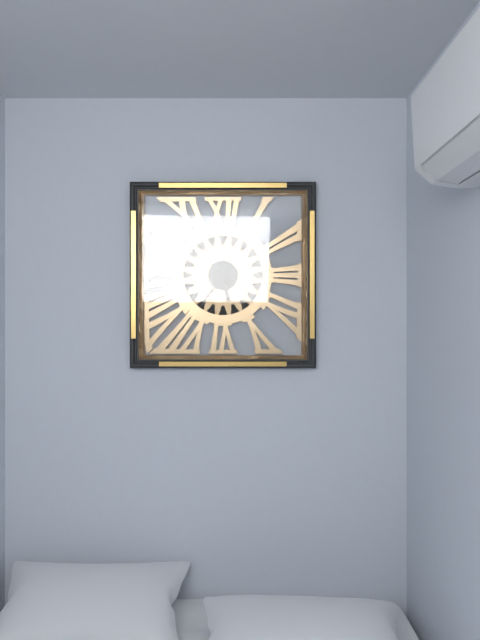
5:36
